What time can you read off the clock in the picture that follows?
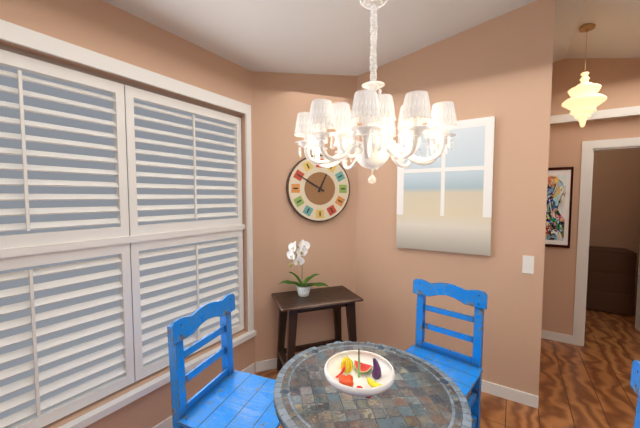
12:50
